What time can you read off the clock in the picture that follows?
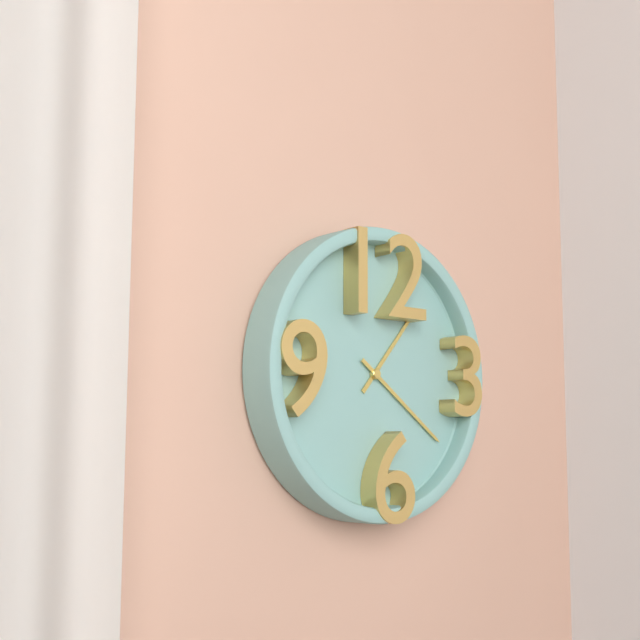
1:21
